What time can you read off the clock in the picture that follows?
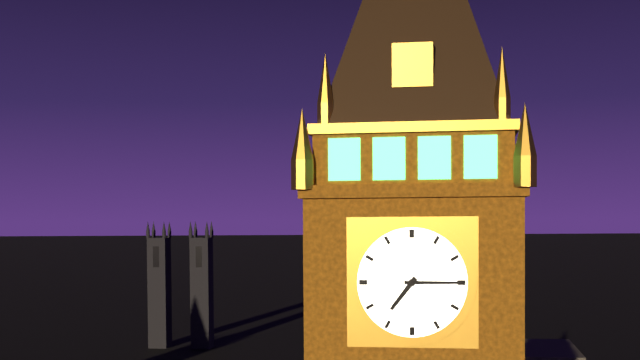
7:15
